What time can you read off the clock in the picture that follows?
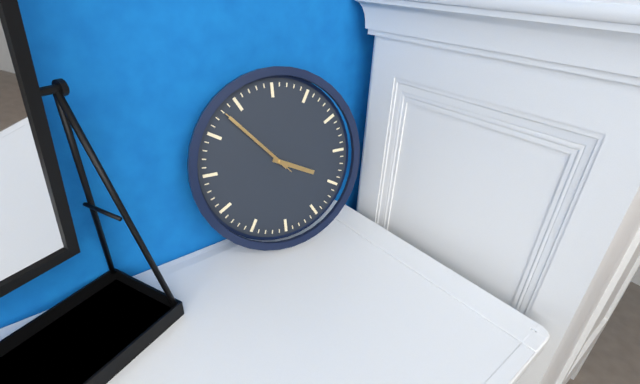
3:53:53
